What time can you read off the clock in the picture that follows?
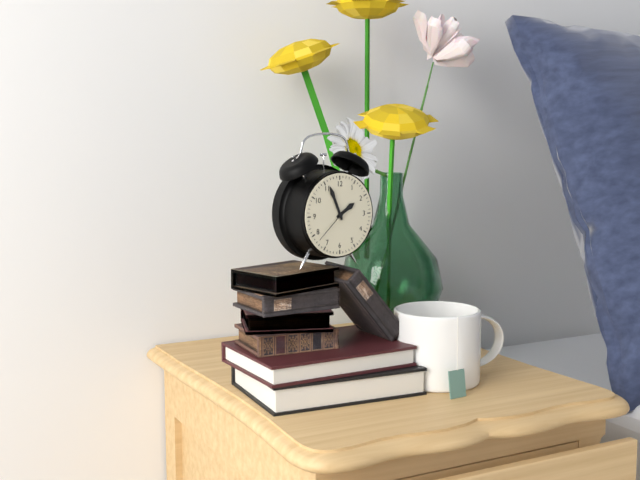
1:56
